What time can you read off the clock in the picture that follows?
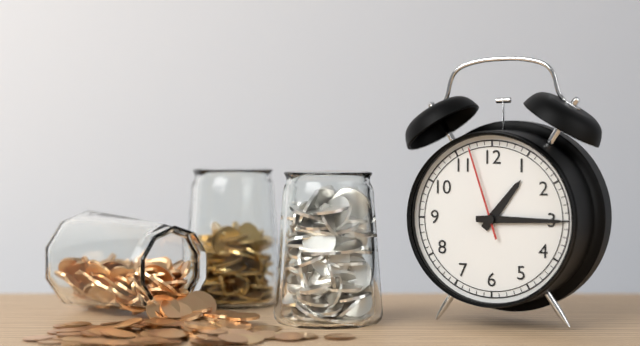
1:15:57
